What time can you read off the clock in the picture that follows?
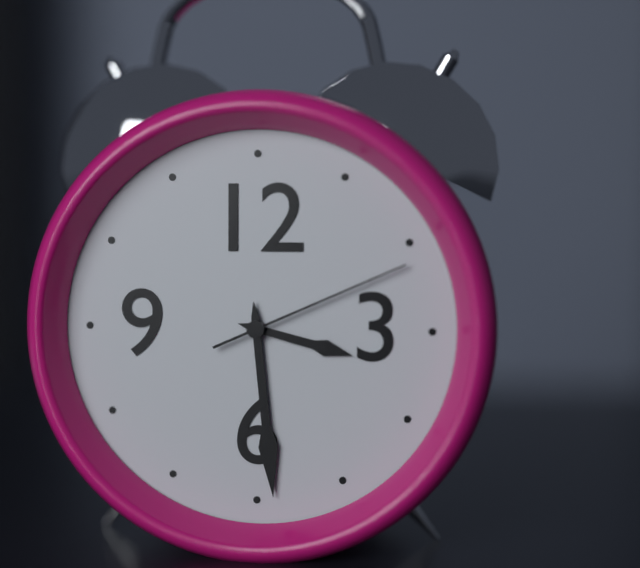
3:29:11
